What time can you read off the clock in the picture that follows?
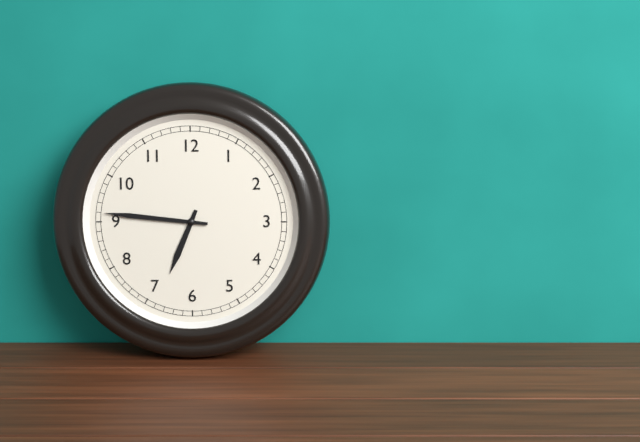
6:46
